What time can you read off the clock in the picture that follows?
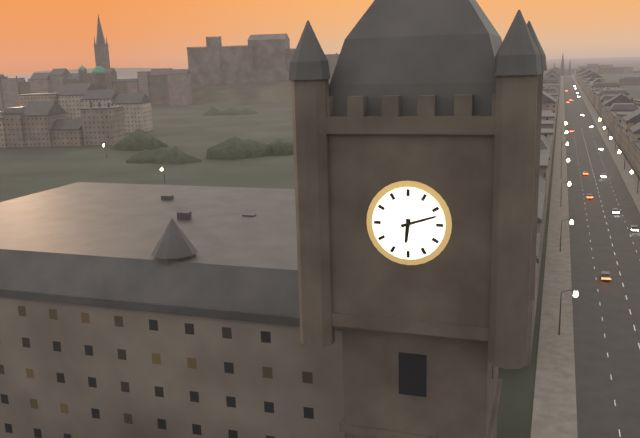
6:12
